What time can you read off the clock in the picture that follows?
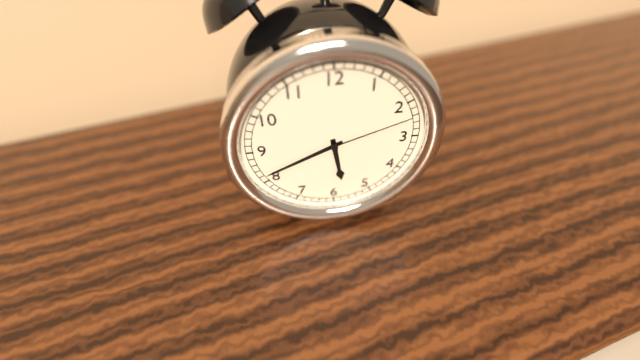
5:41:12
